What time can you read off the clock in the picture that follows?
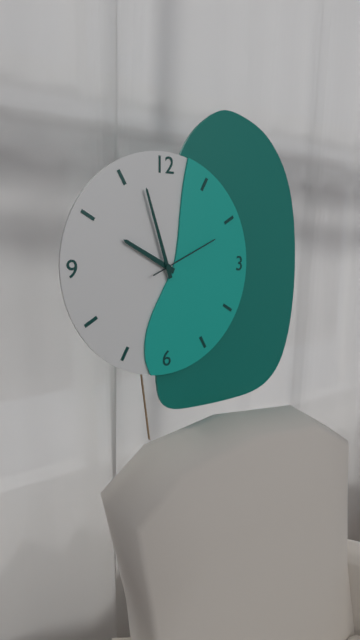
9:57:11
